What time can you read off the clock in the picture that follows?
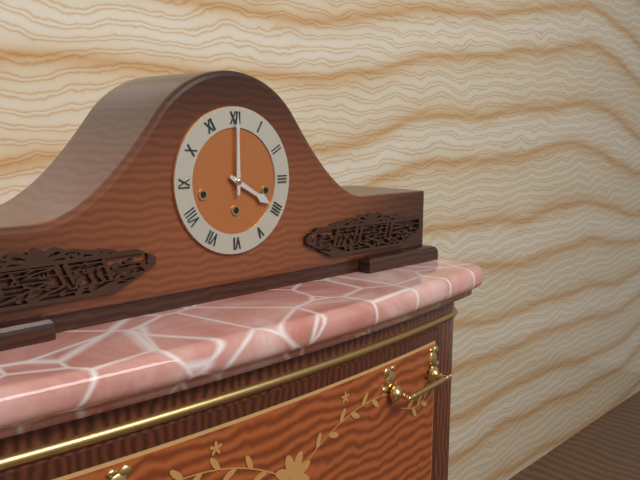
4:00
